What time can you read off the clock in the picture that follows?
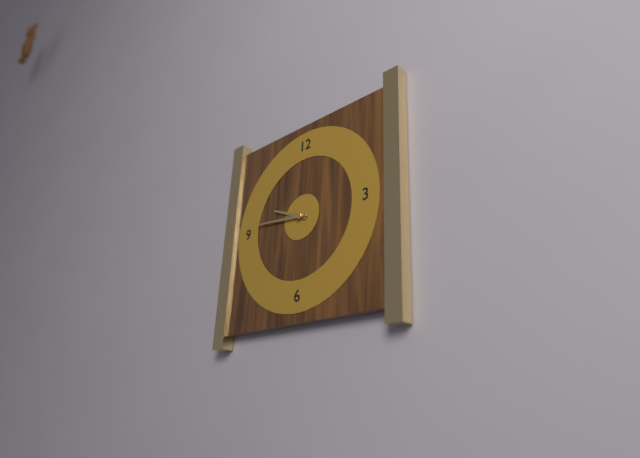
9:46
